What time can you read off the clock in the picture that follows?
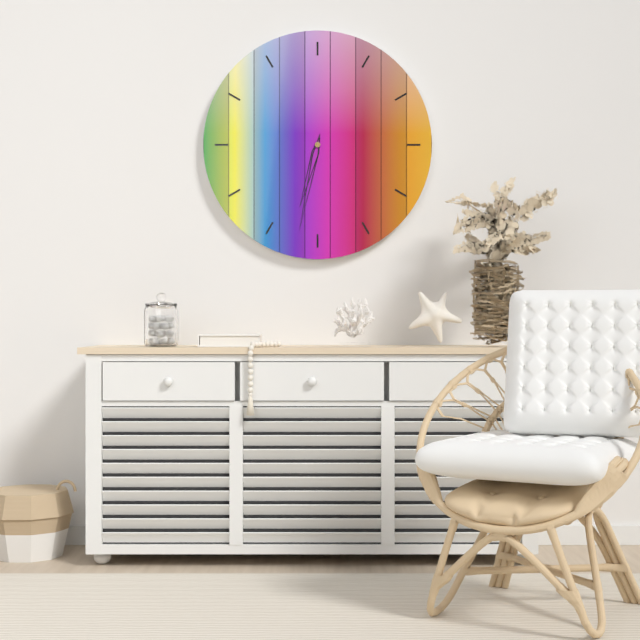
6:32
